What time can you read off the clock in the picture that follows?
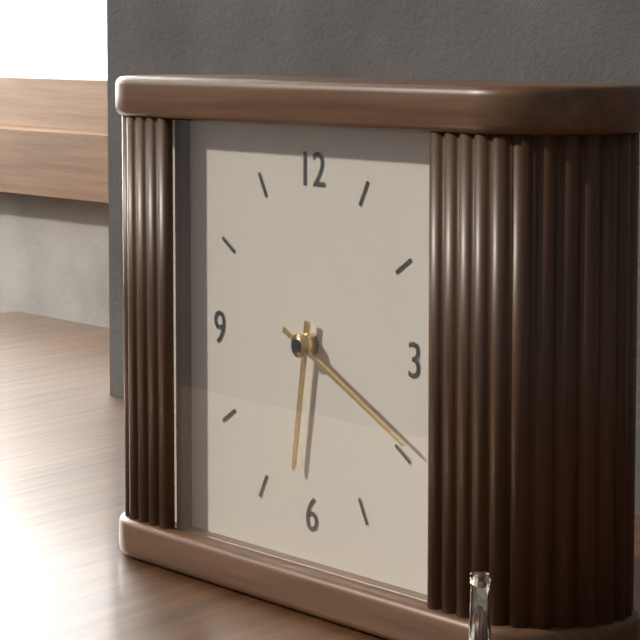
6:19
